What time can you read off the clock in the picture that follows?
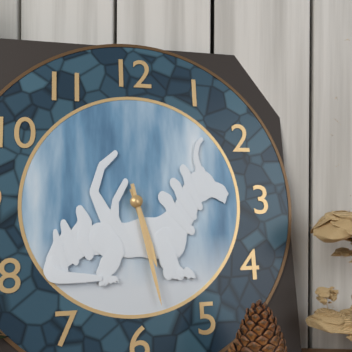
5:28
